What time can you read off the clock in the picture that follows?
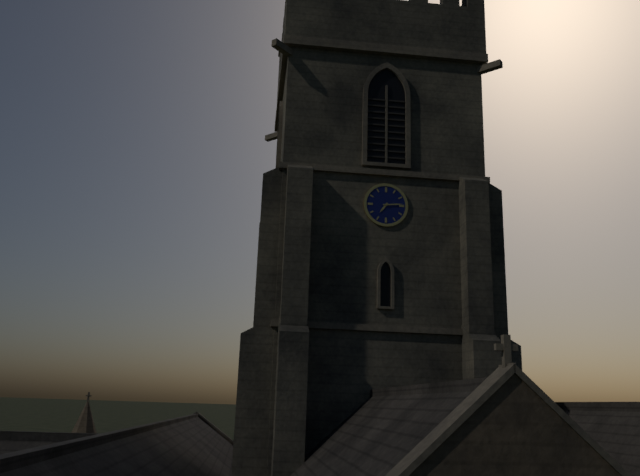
7:14
